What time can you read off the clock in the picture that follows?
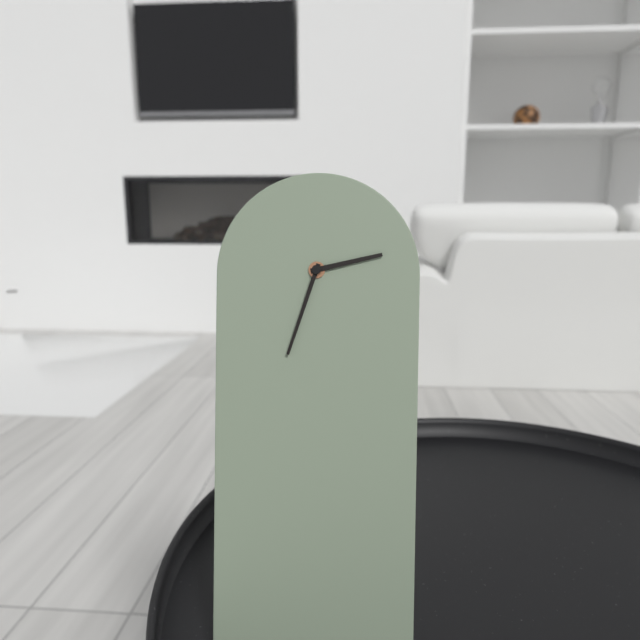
2:33
